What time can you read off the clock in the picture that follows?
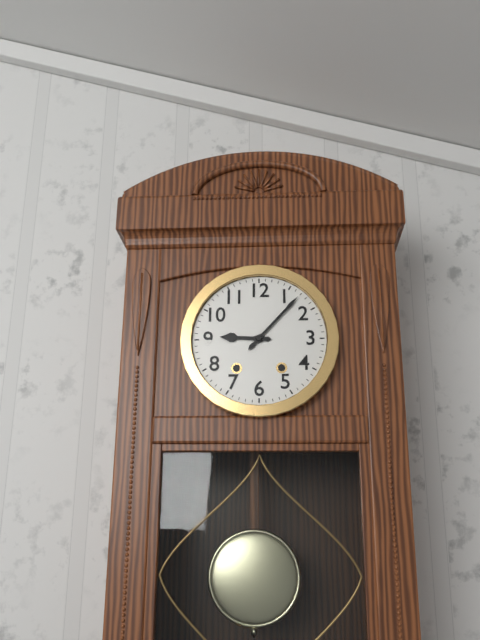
9:07
